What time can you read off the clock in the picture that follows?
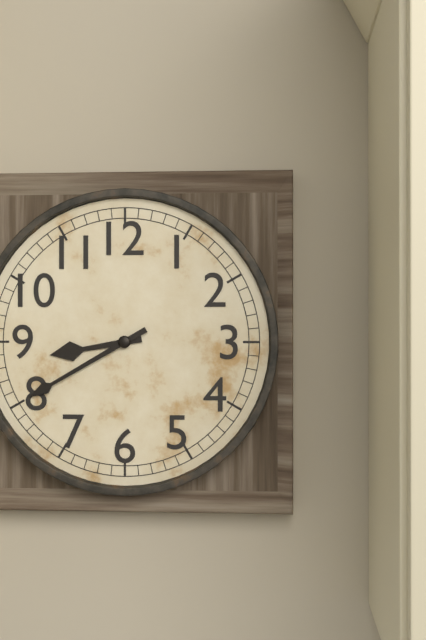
8:40
